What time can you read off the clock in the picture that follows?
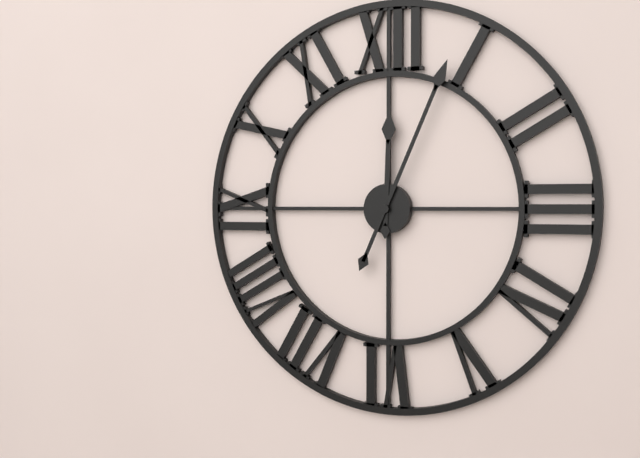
12:04
